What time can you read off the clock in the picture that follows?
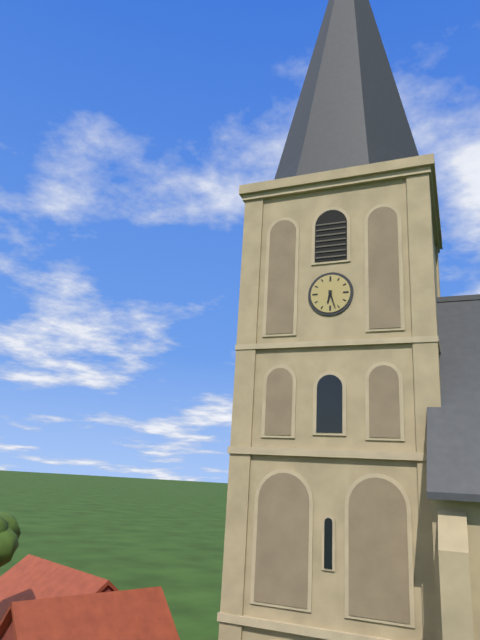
6:27
